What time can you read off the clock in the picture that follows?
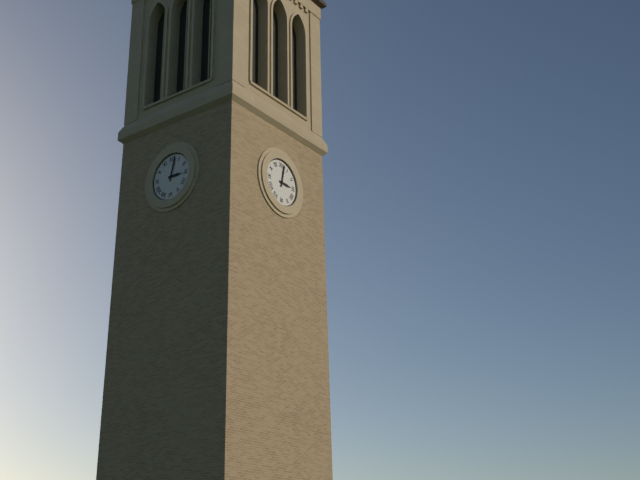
3:02
